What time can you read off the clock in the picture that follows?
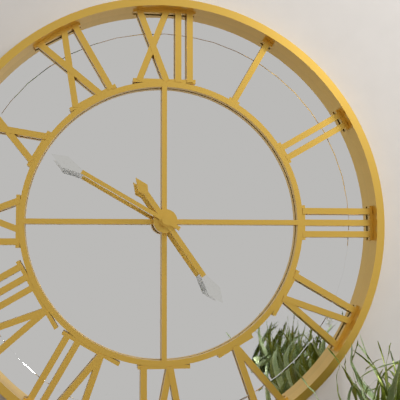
4:50
